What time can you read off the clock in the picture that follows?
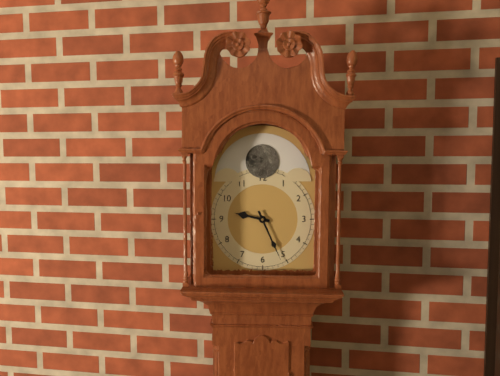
9:26
